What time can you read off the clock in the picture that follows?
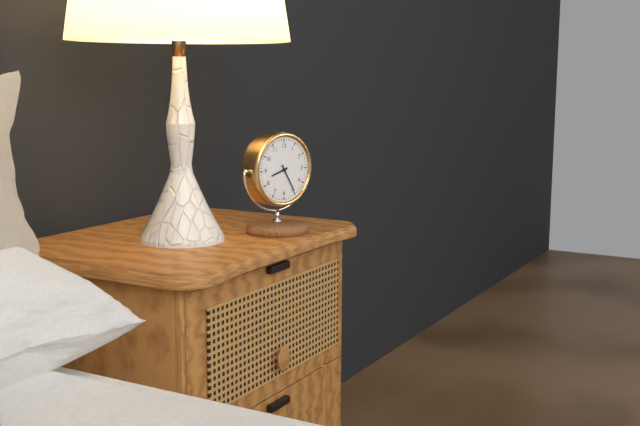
8:25
